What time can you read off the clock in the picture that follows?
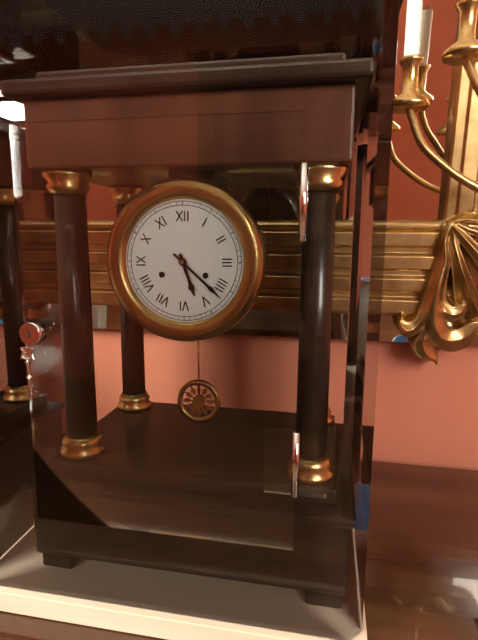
5:22
